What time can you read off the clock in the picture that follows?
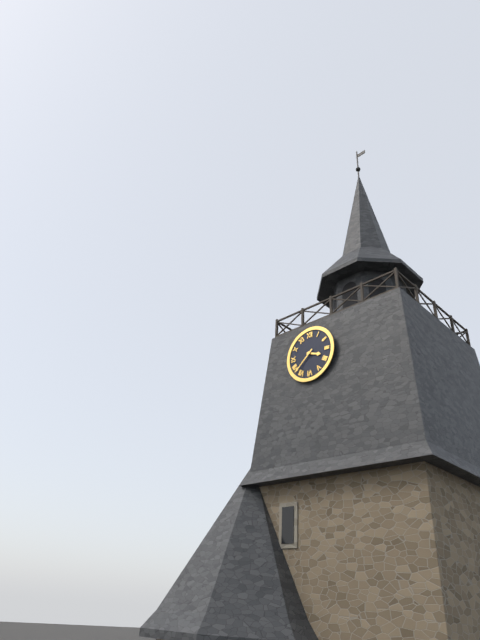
3:38
